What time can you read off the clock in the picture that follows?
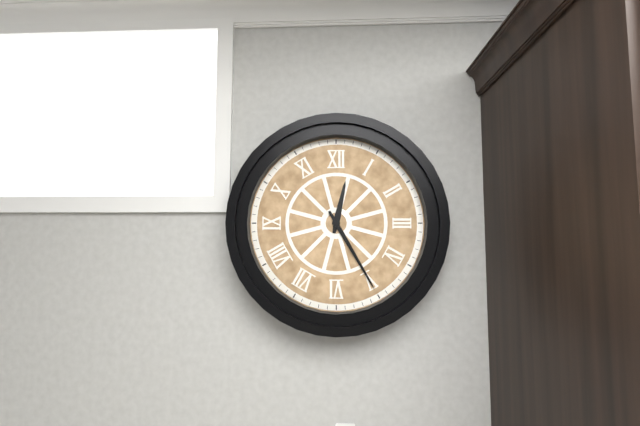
12:25
